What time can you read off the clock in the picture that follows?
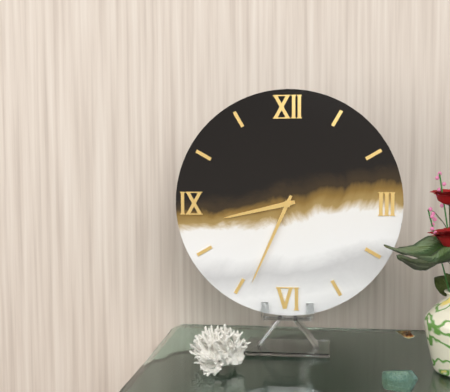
8:34
